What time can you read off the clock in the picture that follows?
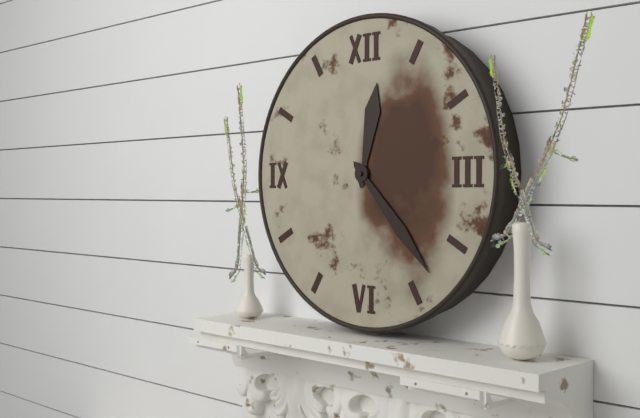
12:23
